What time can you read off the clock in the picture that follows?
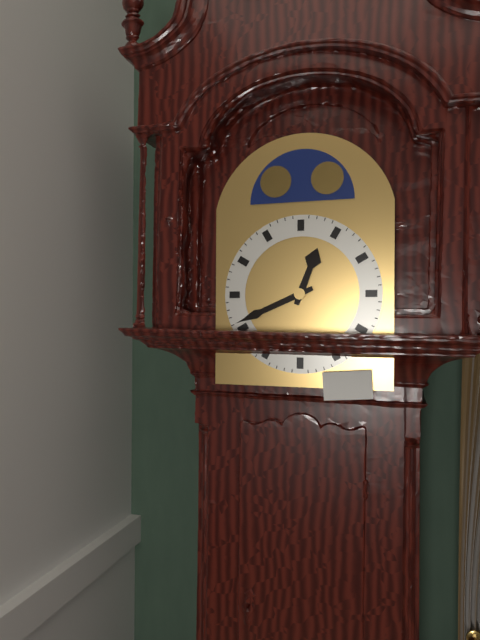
12:41
